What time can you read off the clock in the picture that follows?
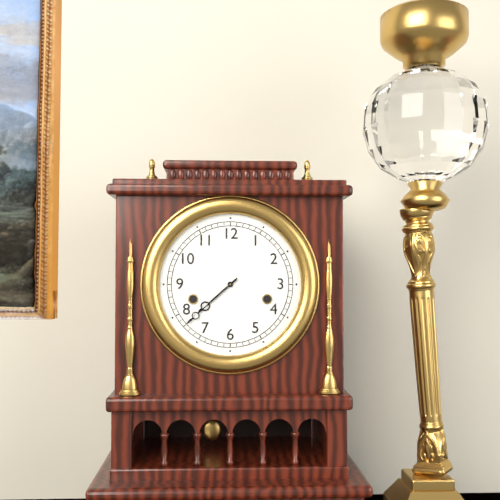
7:38
